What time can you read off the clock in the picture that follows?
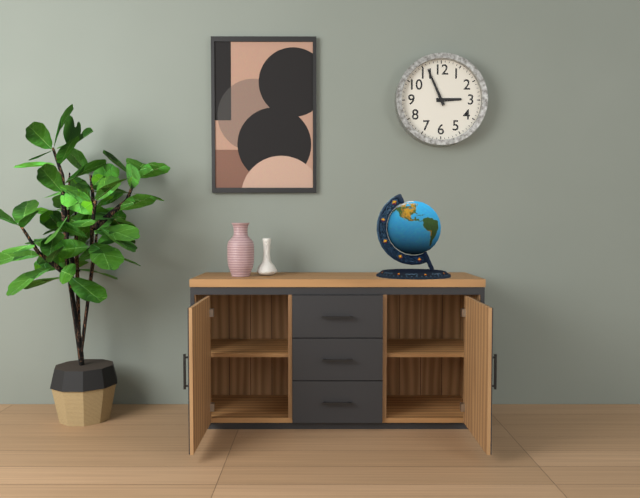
2:56
